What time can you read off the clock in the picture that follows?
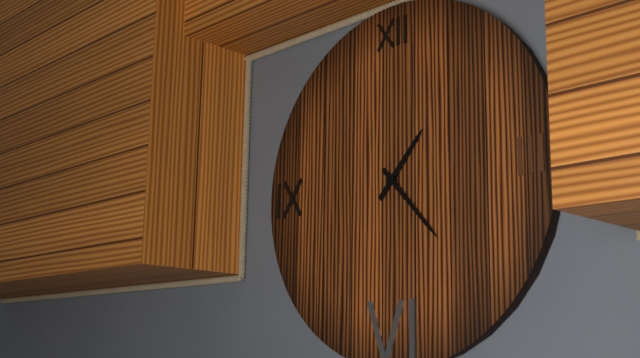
1:23
